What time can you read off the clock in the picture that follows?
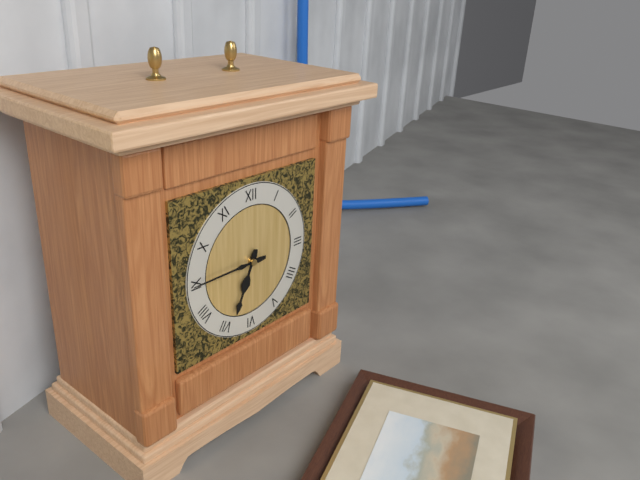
6:45
